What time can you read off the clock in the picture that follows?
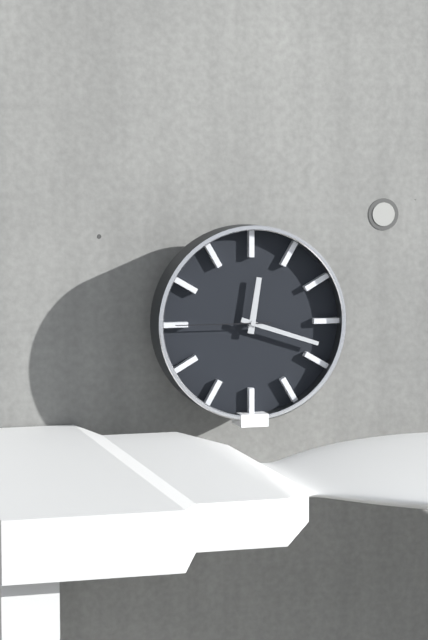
12:18:45
